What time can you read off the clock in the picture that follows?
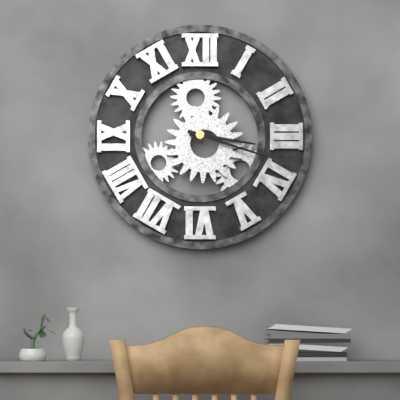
3:18
